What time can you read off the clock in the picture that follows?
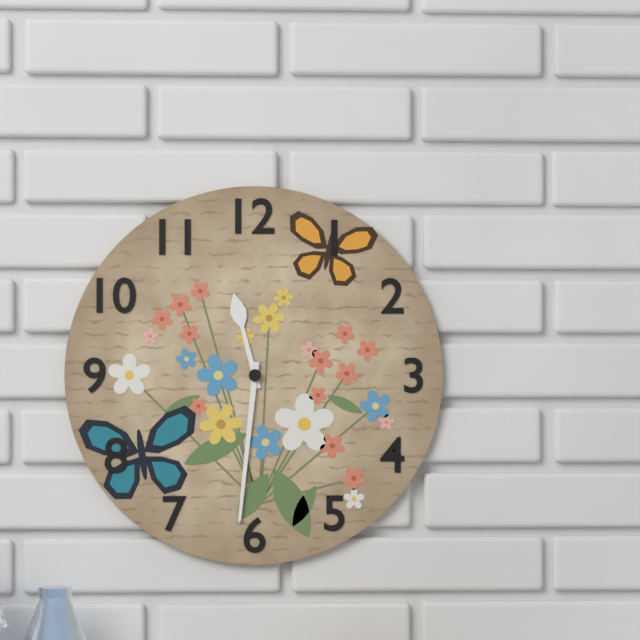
11:31
